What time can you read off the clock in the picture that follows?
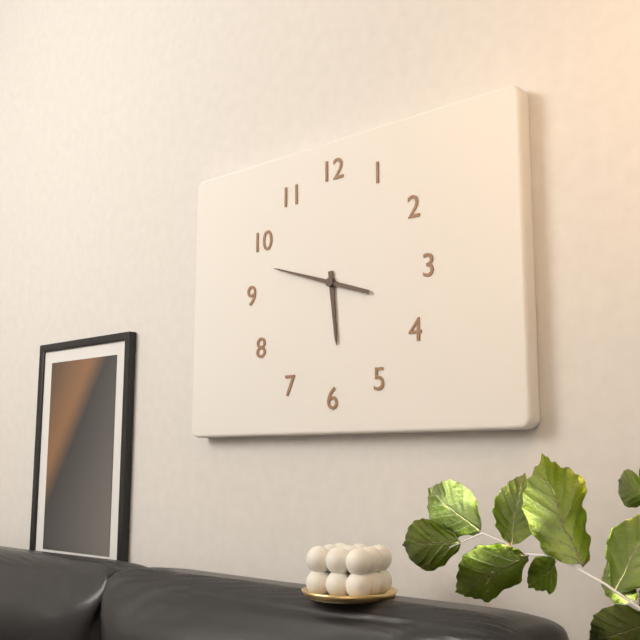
5:48
